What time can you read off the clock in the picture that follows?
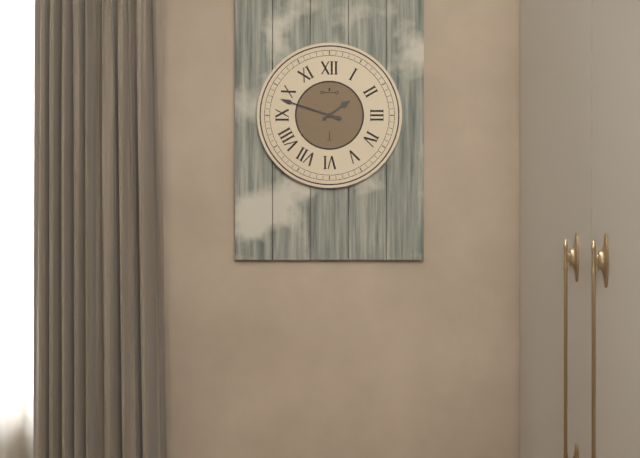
1:48
